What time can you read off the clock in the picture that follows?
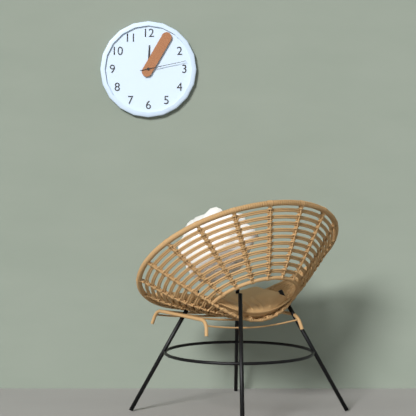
12:05
